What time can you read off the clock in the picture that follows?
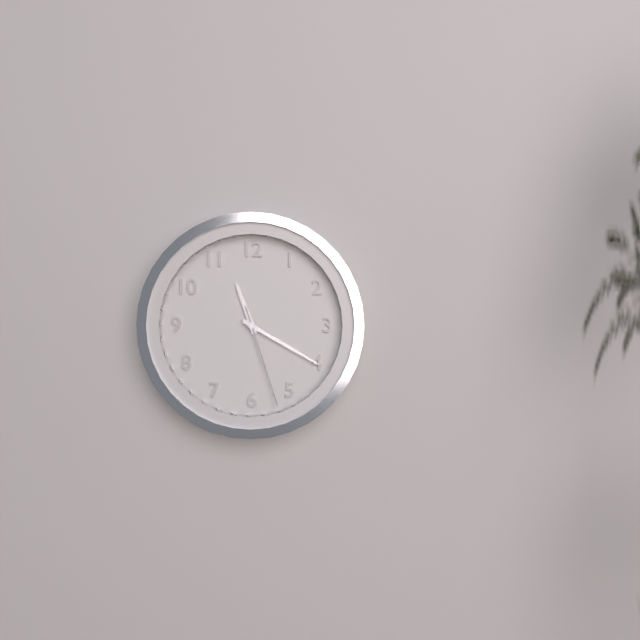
11:20:27
